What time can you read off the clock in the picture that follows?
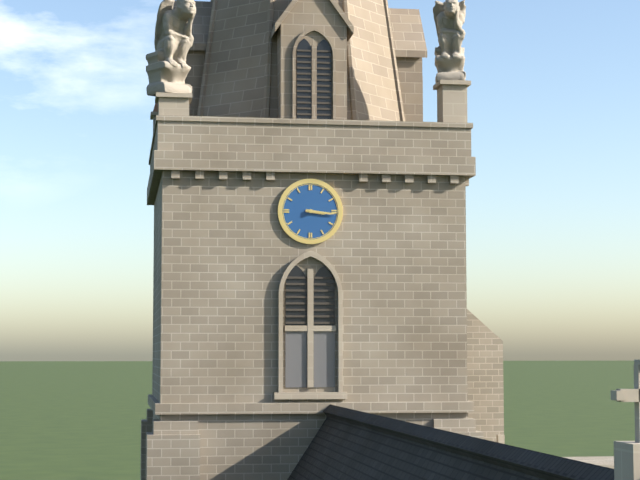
3:16
